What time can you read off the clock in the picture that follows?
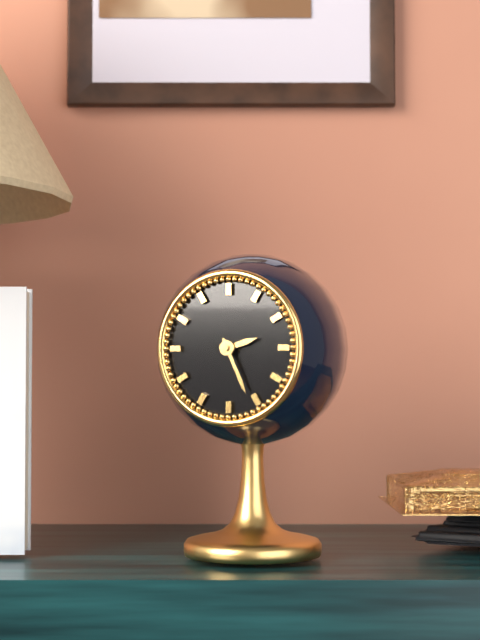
2:26
